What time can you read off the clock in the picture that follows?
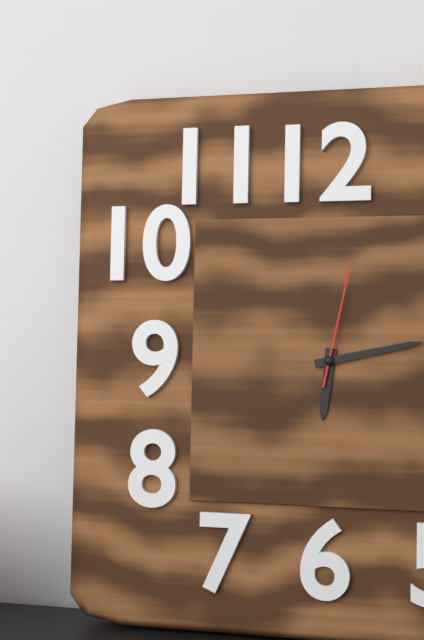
6:13:02
